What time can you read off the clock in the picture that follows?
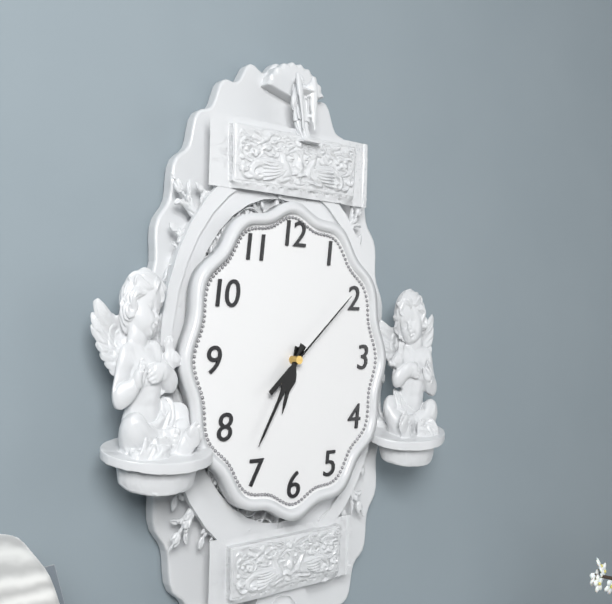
6:35:08
